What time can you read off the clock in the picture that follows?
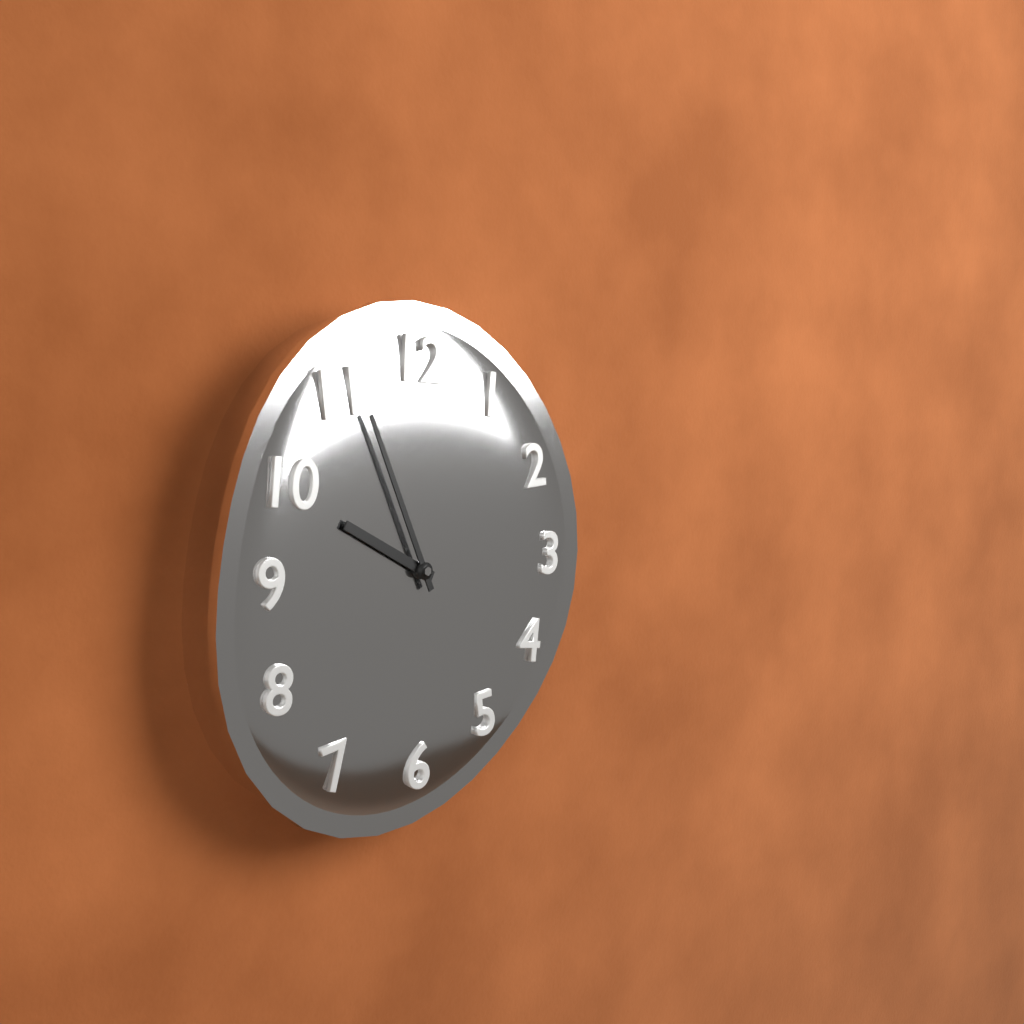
9:56
